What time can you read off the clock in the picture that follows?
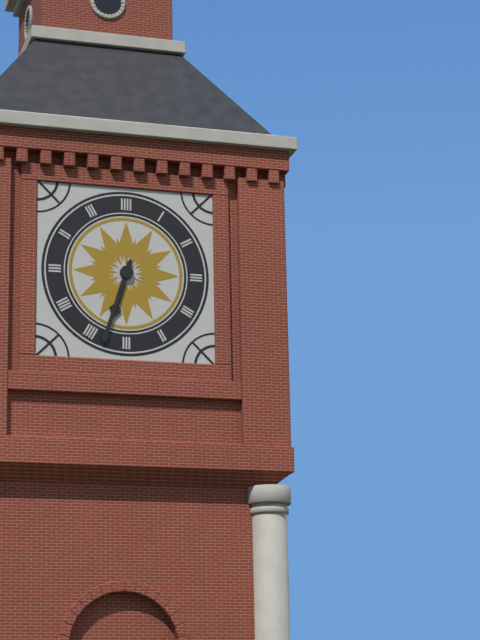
6:33
